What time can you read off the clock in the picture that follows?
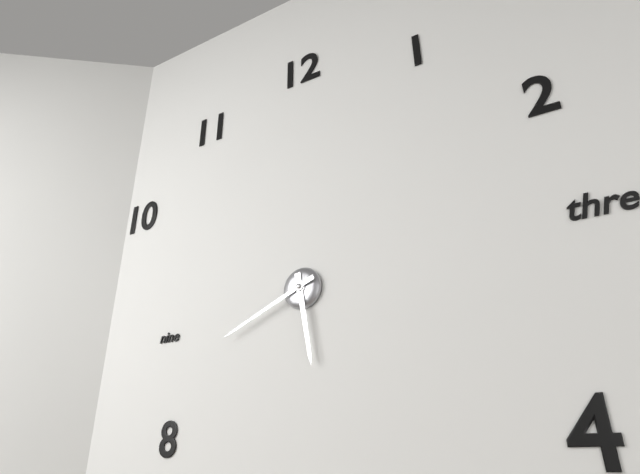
5:41
